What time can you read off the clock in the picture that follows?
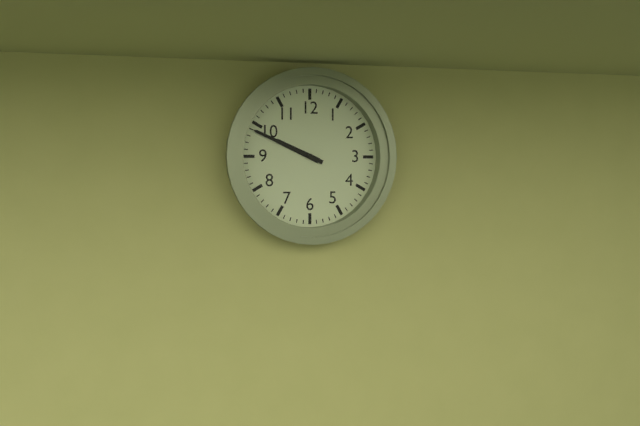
9:49
